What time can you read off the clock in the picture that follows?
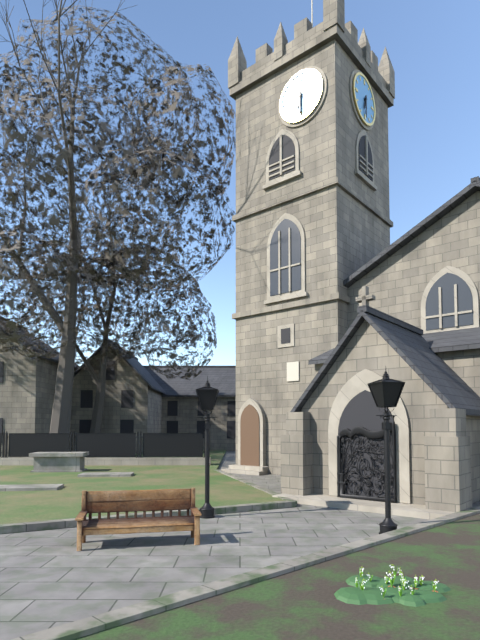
6:30
